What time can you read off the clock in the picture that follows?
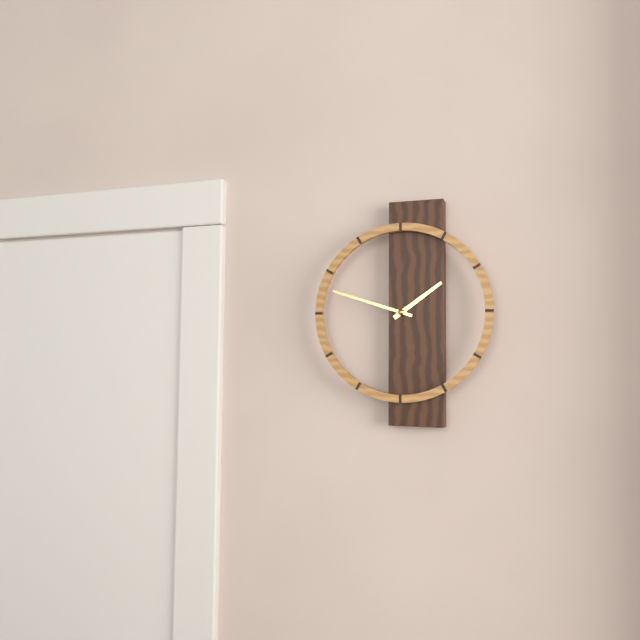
1:48
